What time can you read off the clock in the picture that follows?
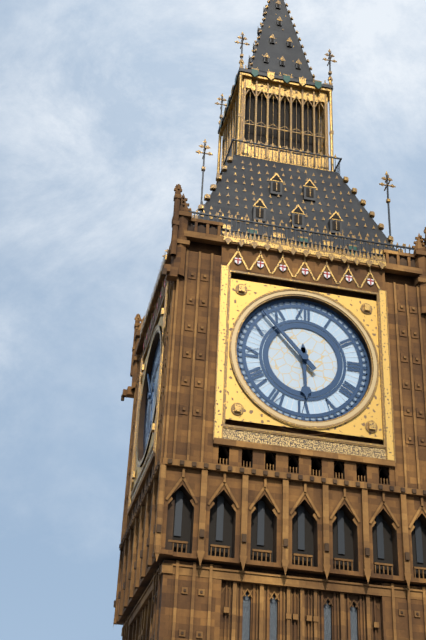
5:53
